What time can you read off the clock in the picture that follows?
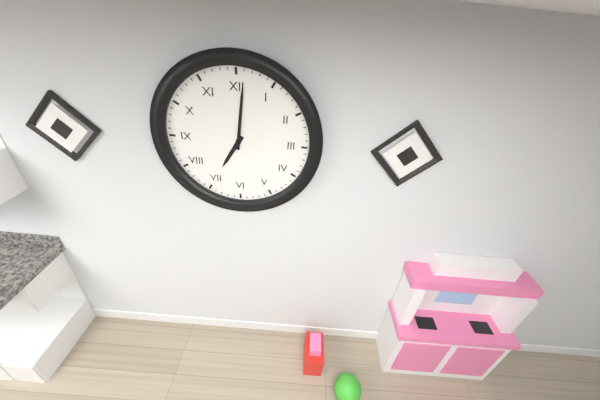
7:01
